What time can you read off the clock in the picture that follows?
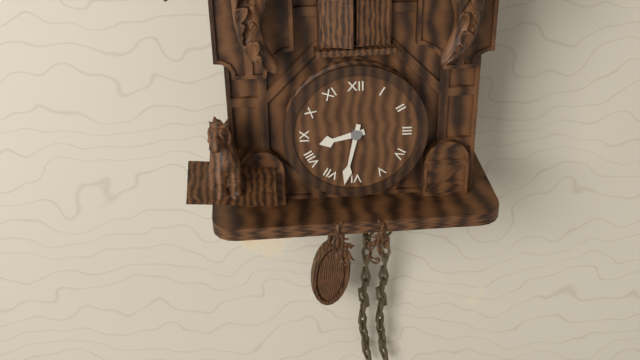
8:32
